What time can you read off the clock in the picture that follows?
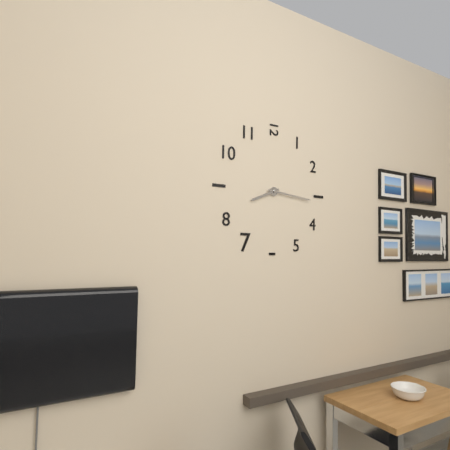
8:16
